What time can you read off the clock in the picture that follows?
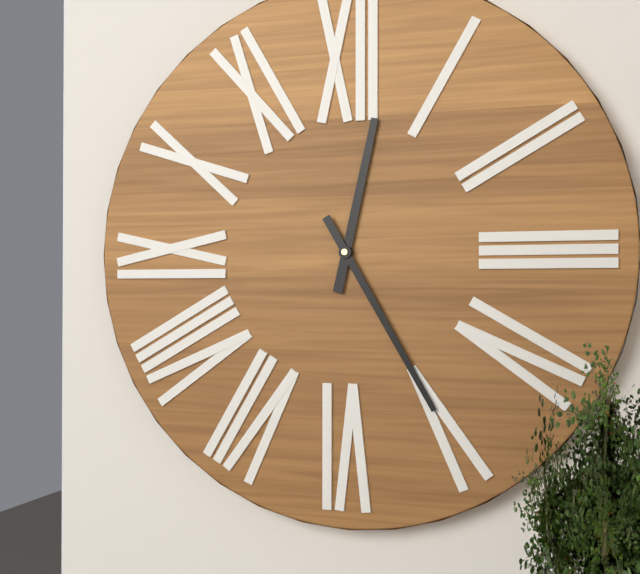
12:25
